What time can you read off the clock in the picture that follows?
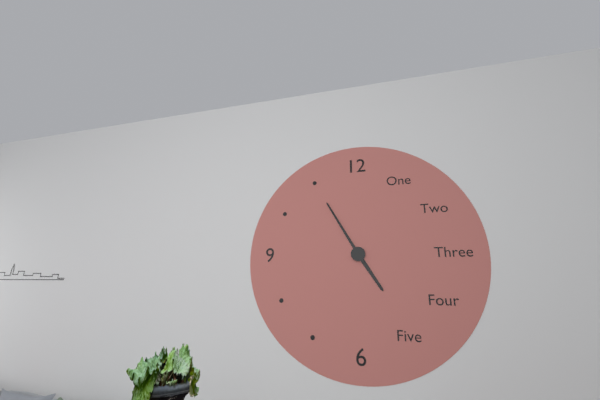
4:55
